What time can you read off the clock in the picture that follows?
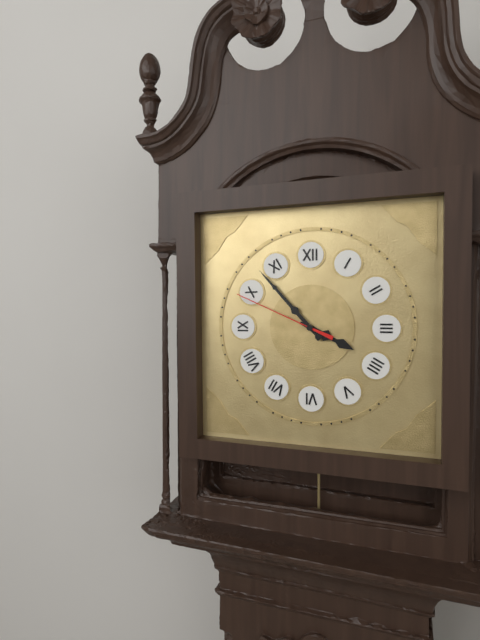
3:53:49
